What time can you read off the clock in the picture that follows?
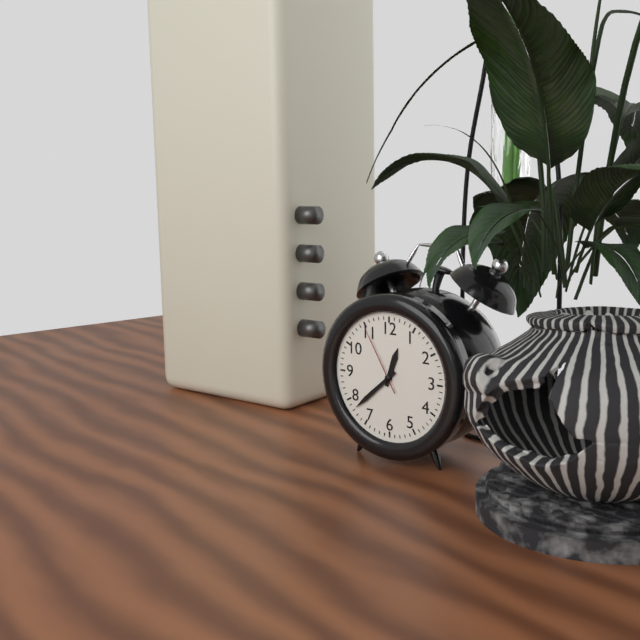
12:38:55
